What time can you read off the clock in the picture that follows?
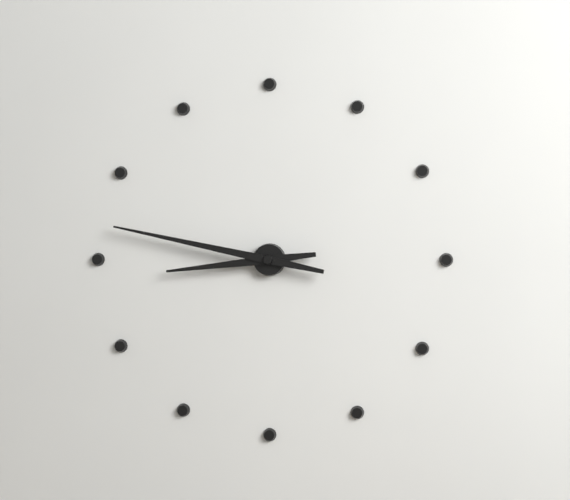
8:47
